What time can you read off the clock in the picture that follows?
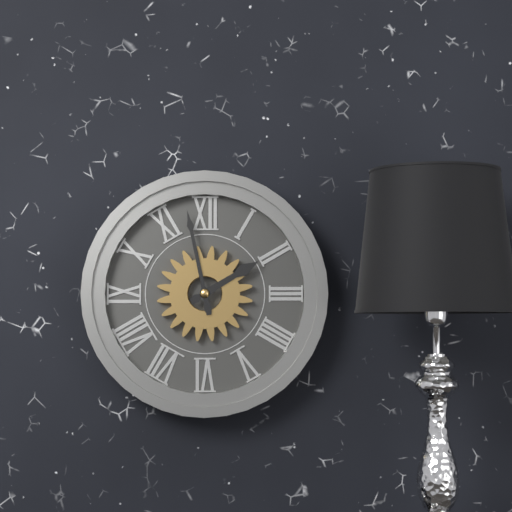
1:58
